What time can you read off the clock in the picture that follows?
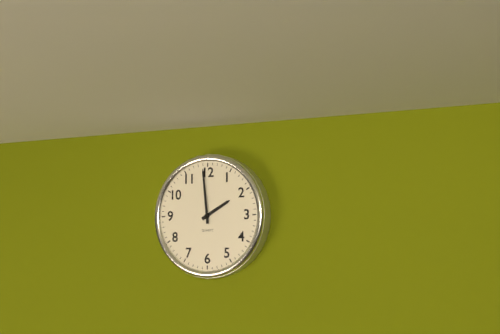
1:59
